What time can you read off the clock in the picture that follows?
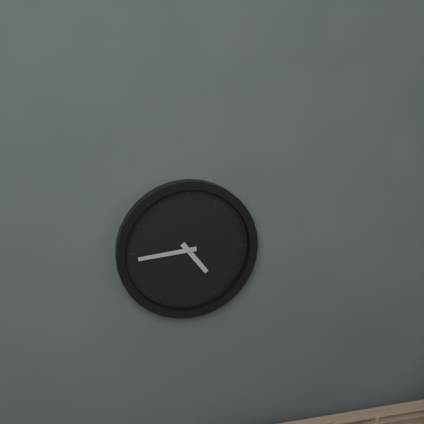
4:44
